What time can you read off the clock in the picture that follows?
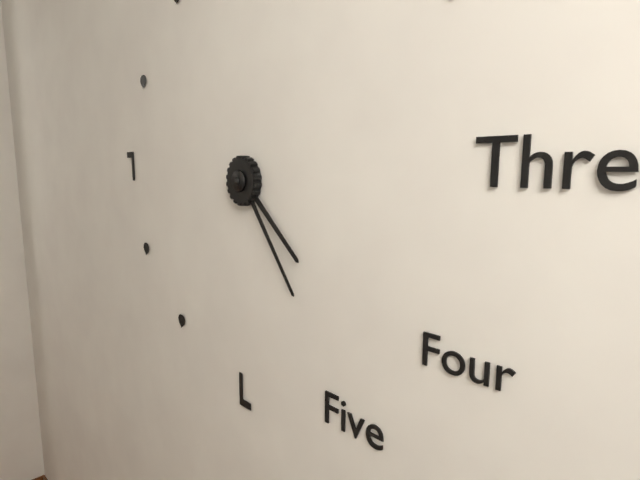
4:24
